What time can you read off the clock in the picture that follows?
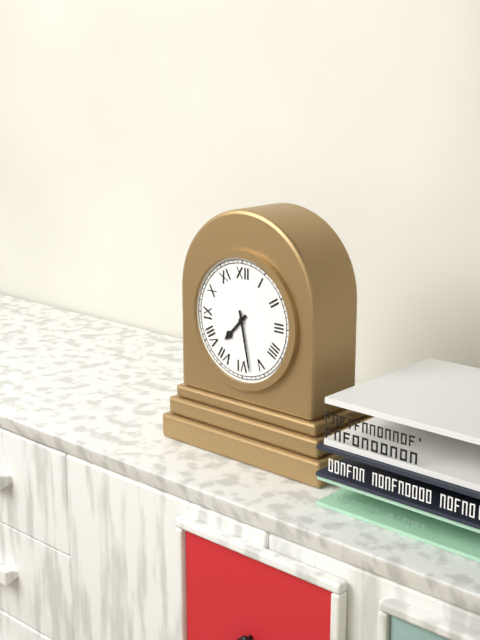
7:28
